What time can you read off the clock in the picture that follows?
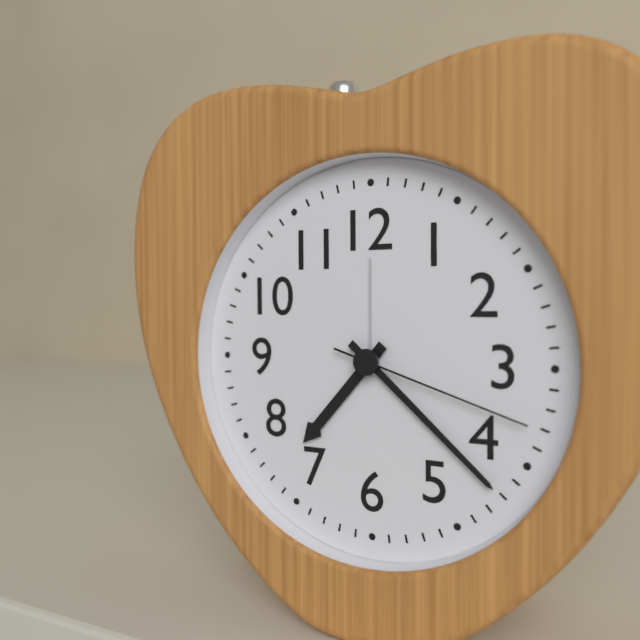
7:22:18
